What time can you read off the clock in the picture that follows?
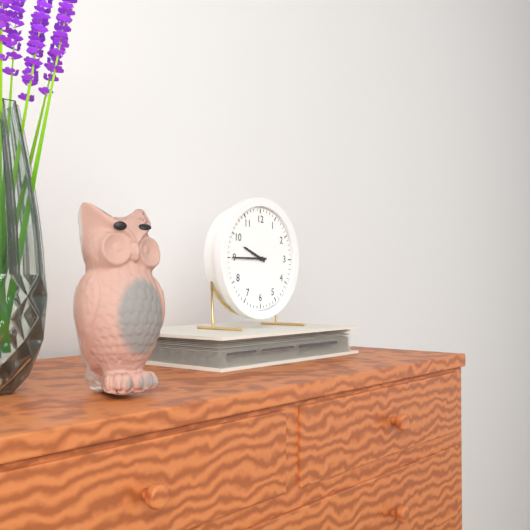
9:45
